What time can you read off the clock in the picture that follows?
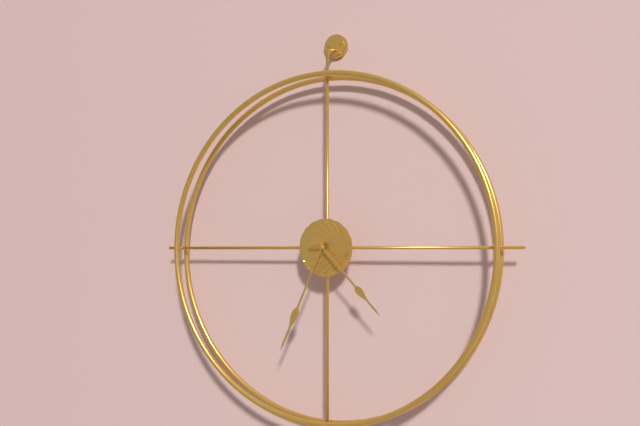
4:34
